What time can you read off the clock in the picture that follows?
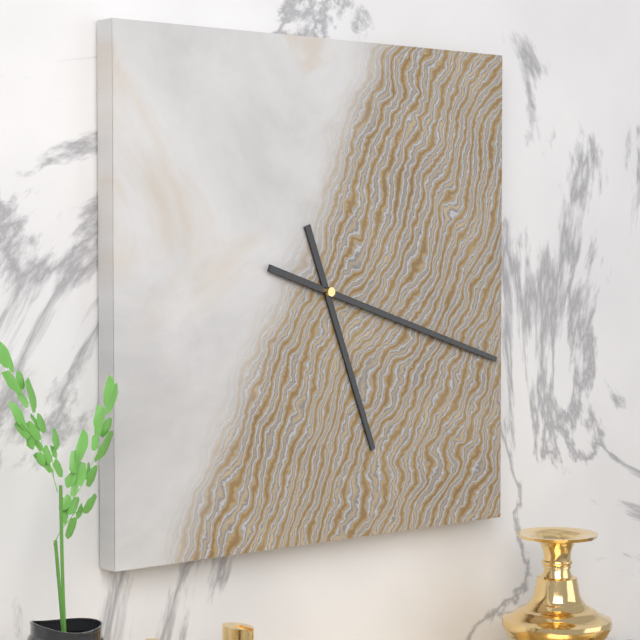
5:18
